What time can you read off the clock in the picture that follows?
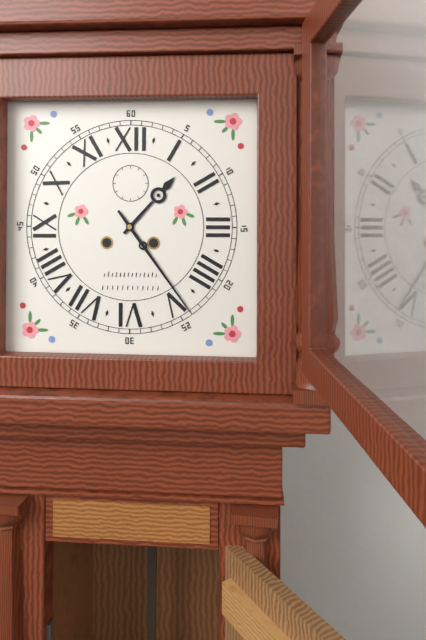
1:24
